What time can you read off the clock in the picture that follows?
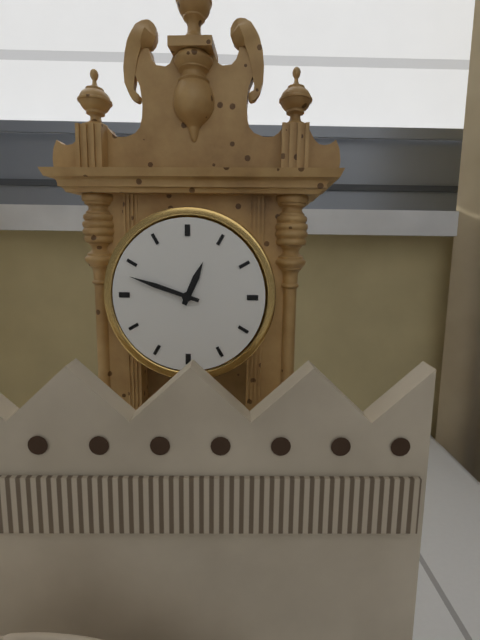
12:48
